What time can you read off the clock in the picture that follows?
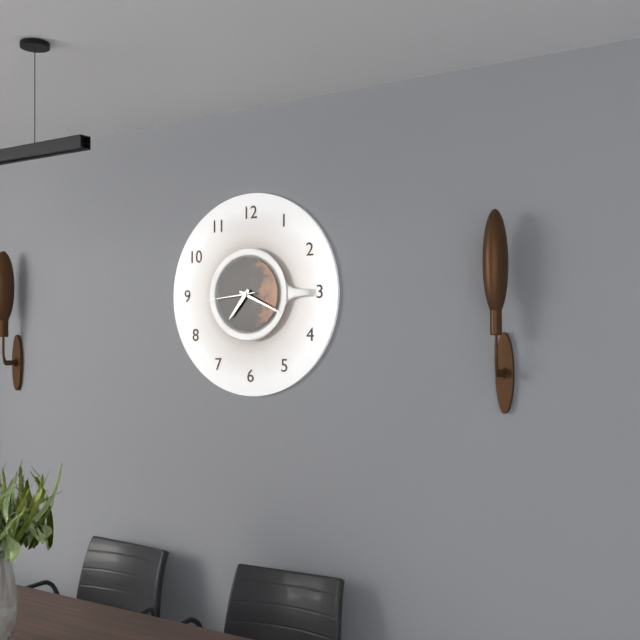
7:19:44
